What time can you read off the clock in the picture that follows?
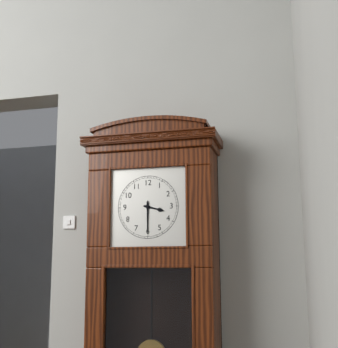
3:30
